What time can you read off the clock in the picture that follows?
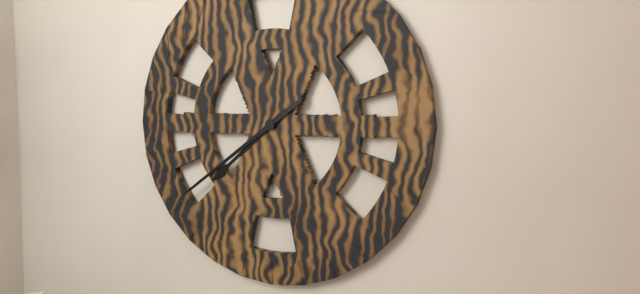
7:39
